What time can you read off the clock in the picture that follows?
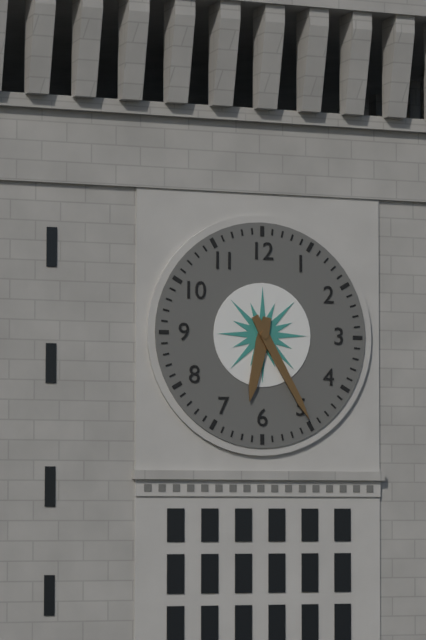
6:25
